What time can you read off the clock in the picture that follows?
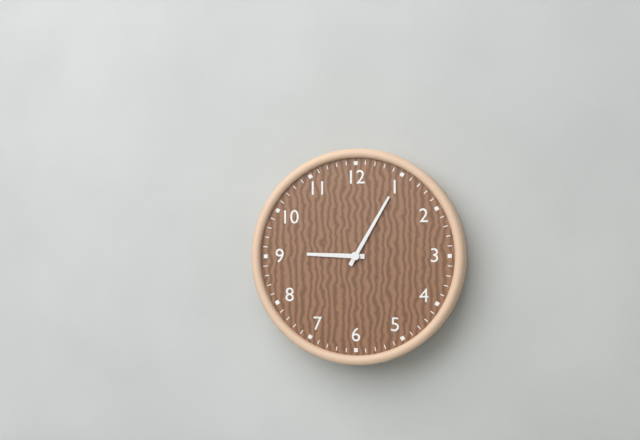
9:05
